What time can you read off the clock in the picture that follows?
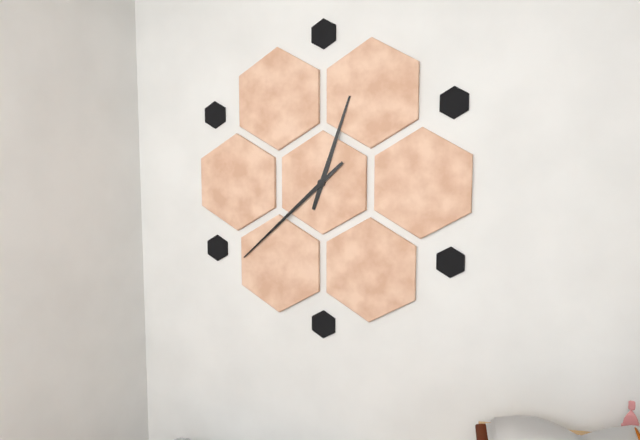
12:38
